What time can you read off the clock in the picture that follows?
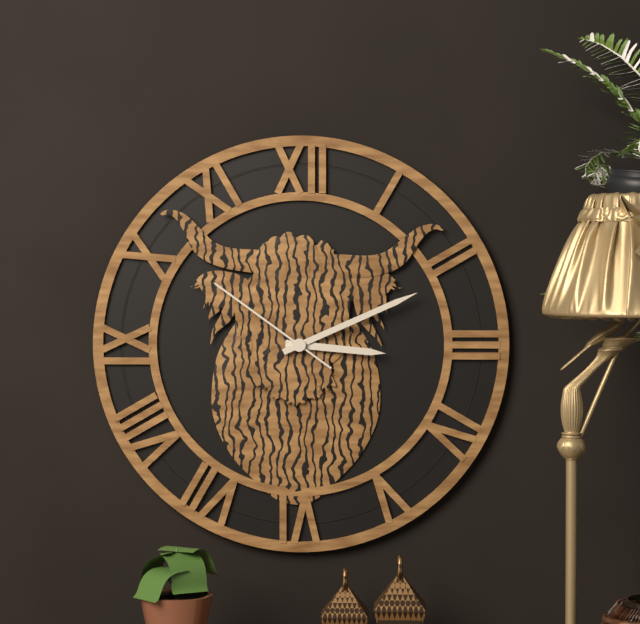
3:11:51
